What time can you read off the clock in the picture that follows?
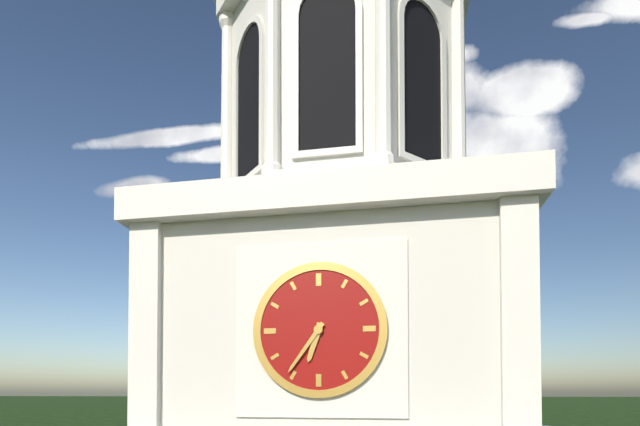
6:36
